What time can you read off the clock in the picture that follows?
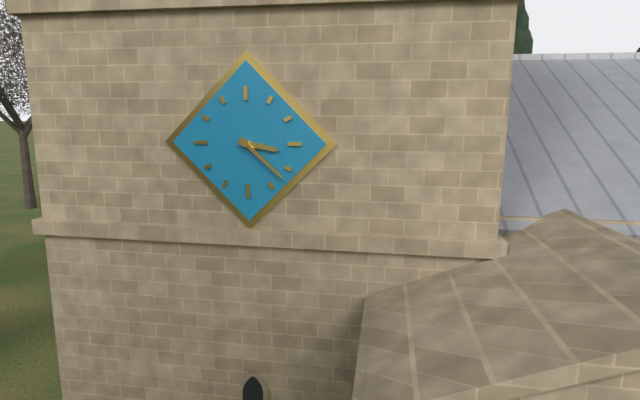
3:22
